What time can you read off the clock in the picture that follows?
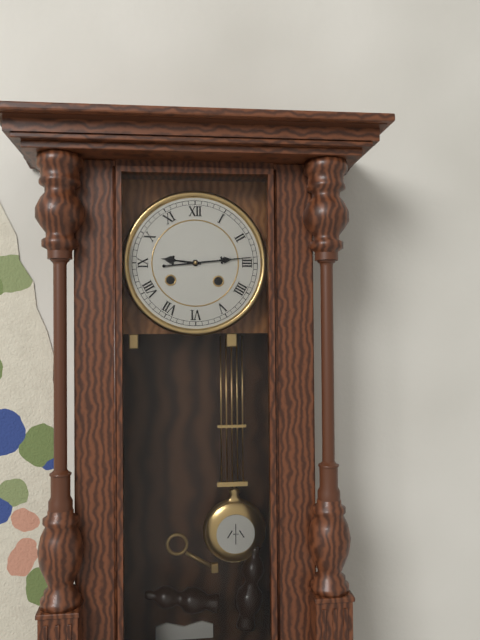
9:14
